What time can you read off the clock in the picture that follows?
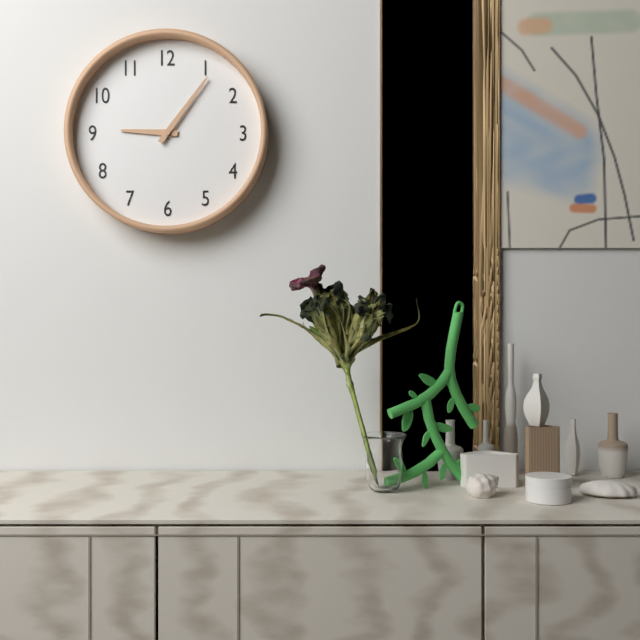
9:06
